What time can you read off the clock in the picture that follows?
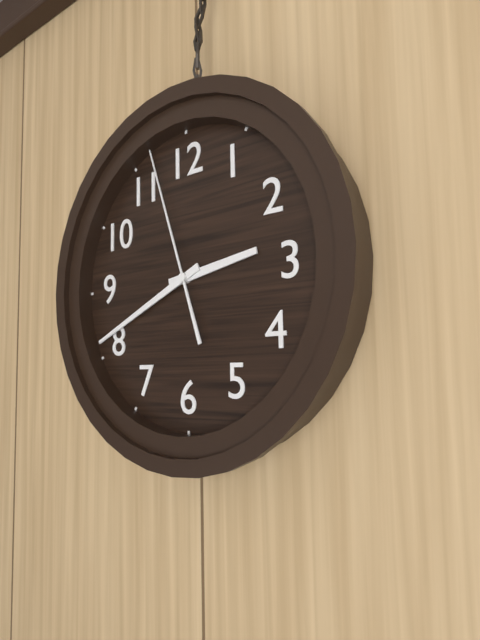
2:41:57
